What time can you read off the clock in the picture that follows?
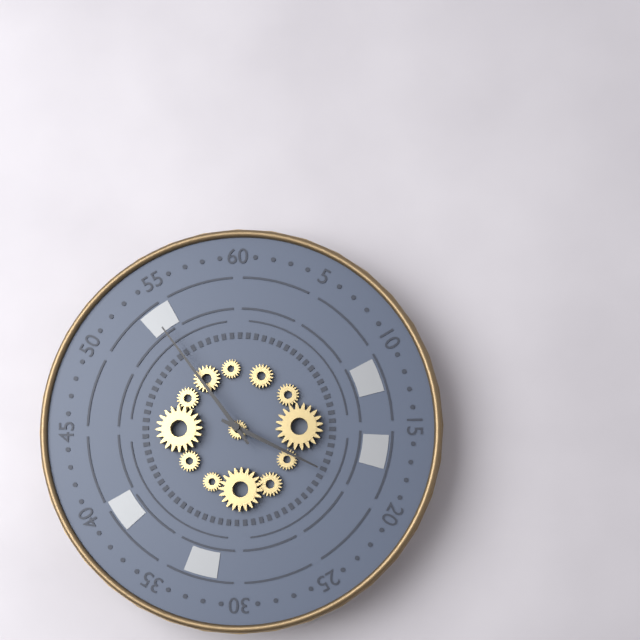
3:54
